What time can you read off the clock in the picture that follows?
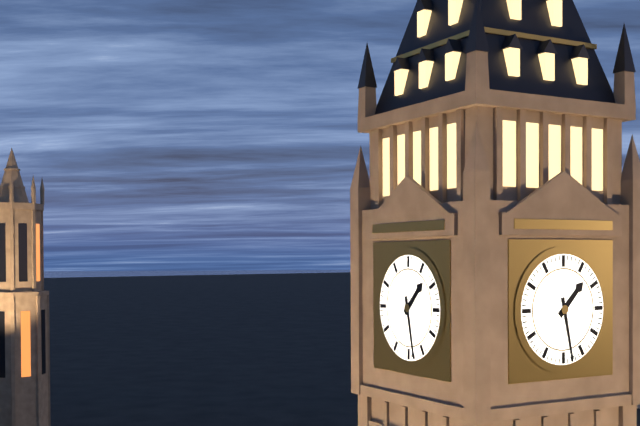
1:28
